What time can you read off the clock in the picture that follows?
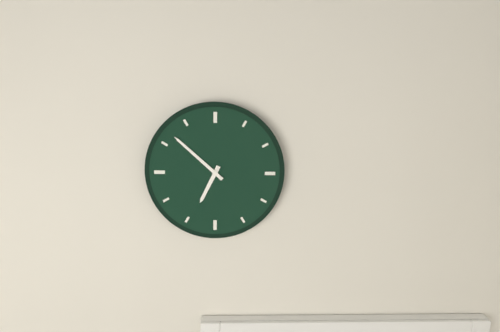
6:52
